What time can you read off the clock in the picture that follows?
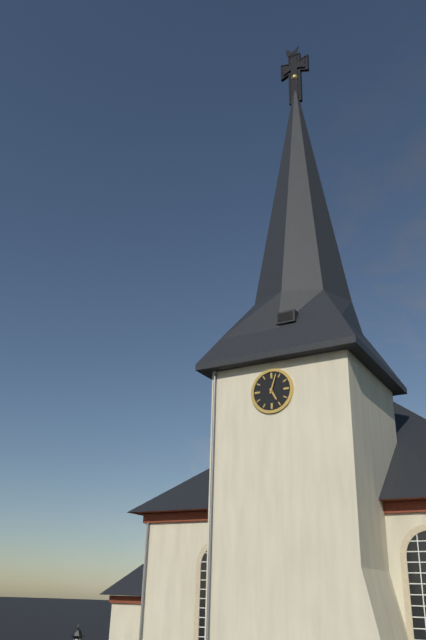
5:03
